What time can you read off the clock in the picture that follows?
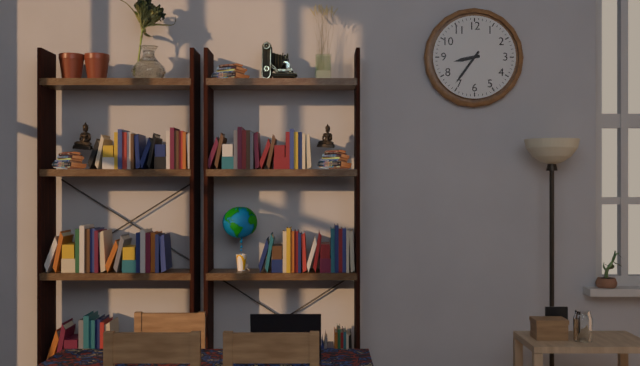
8:36
